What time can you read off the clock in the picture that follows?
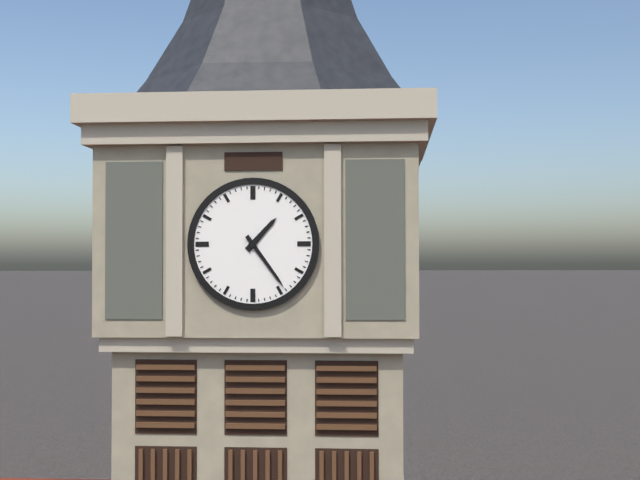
1:24
